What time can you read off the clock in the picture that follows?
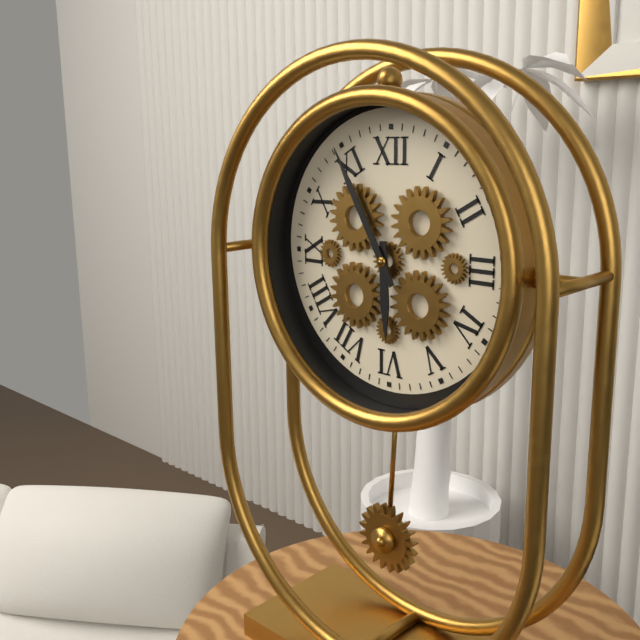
5:55
